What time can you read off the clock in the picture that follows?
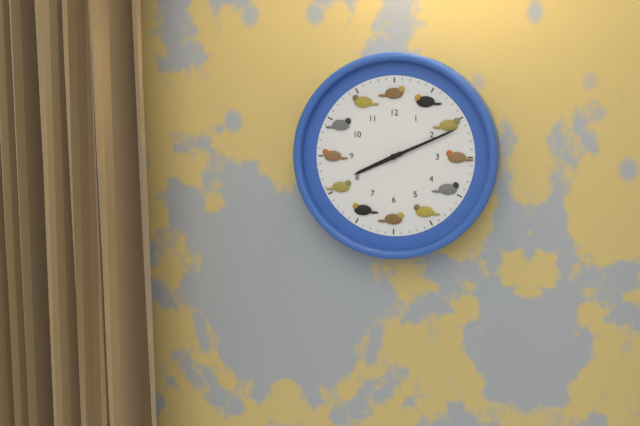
8:11
